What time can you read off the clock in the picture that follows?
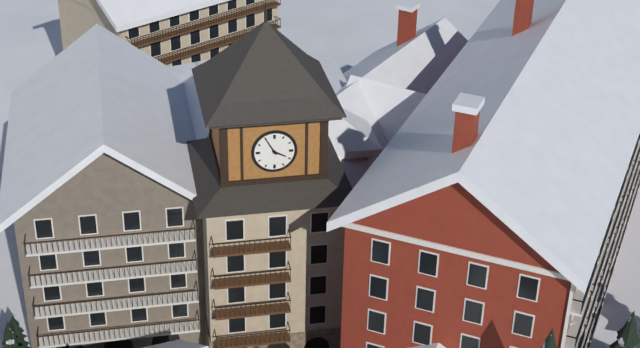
3:55
